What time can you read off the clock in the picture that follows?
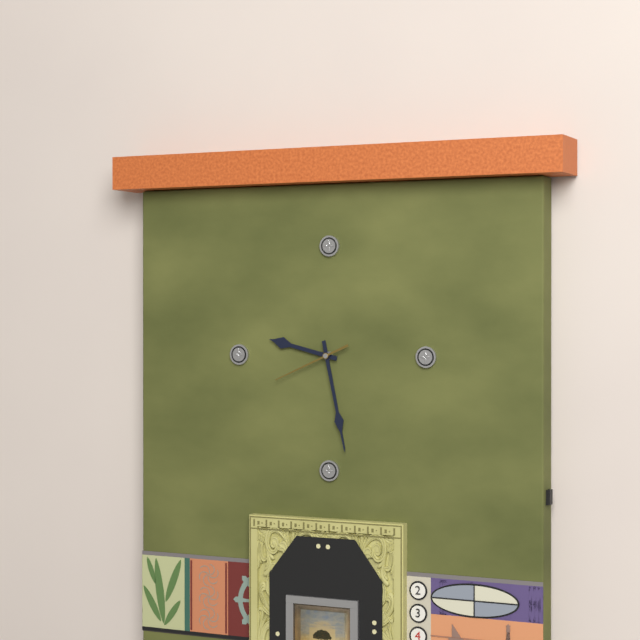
9:28:41
